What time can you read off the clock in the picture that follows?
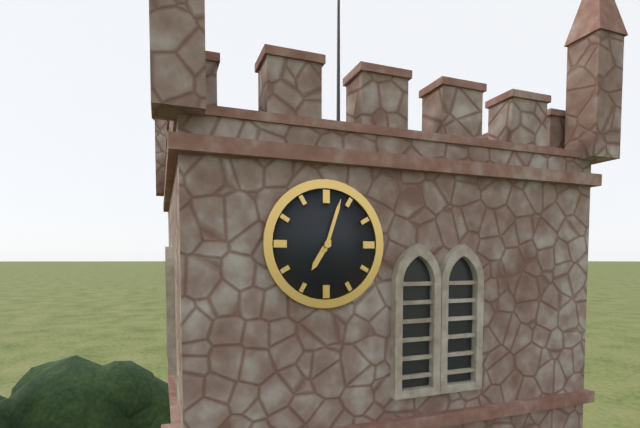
7:03
